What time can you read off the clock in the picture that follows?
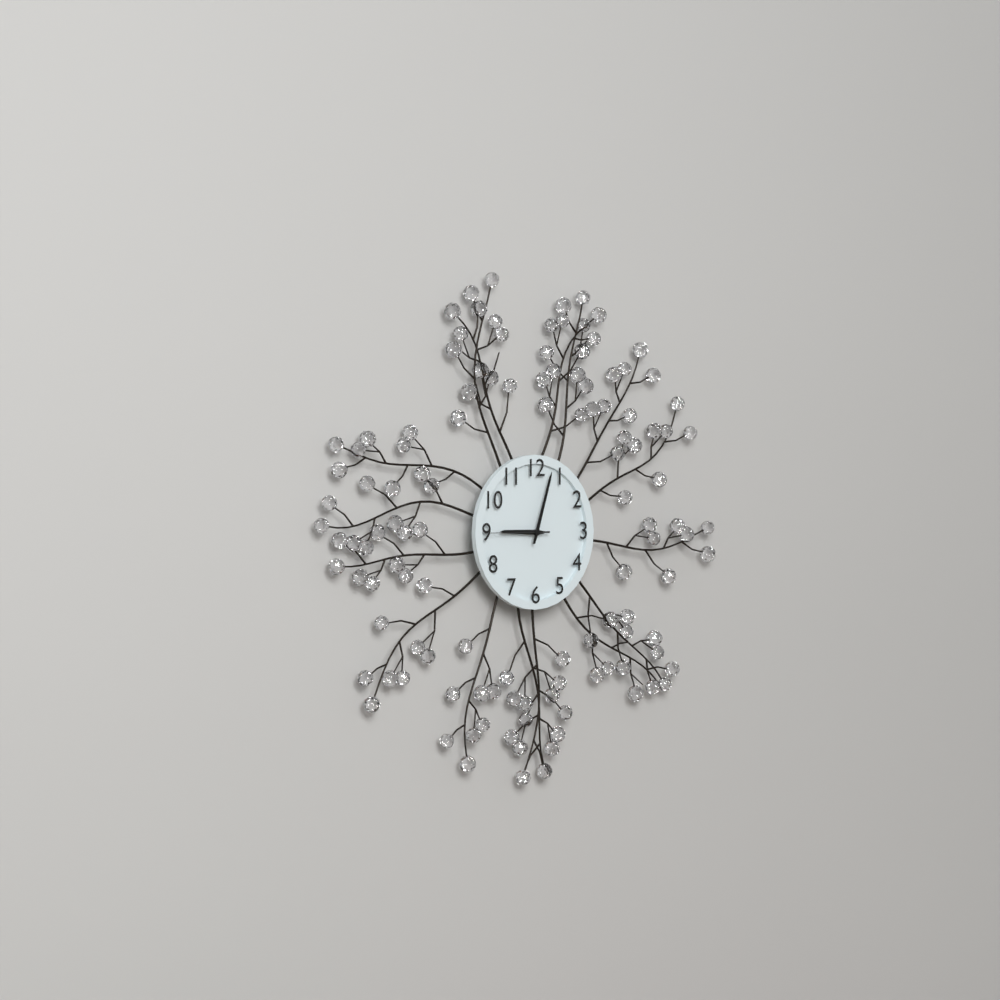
9:03:45
